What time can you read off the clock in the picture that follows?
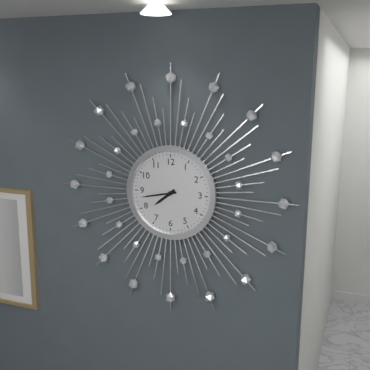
7:43
